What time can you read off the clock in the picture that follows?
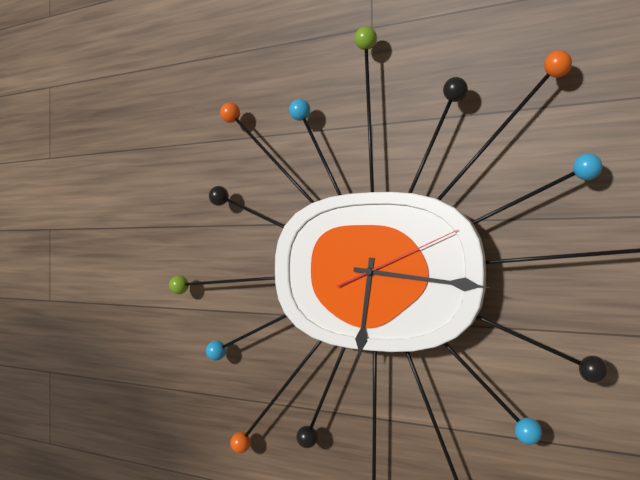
6:16:11
